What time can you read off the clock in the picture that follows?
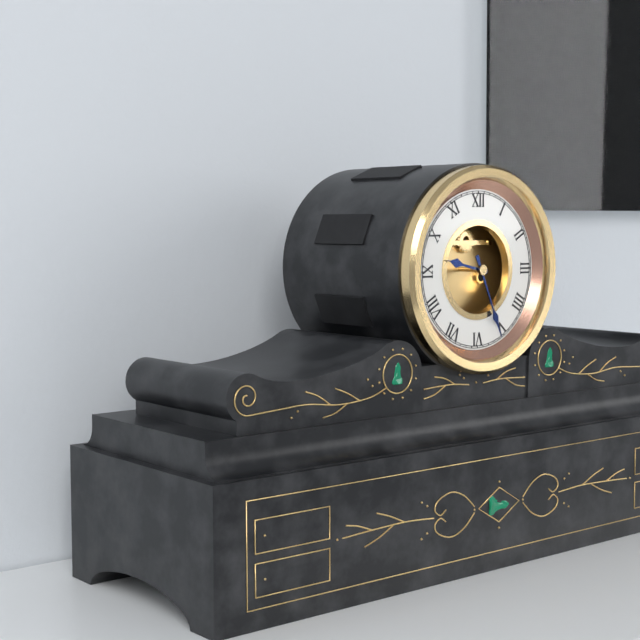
9:26
